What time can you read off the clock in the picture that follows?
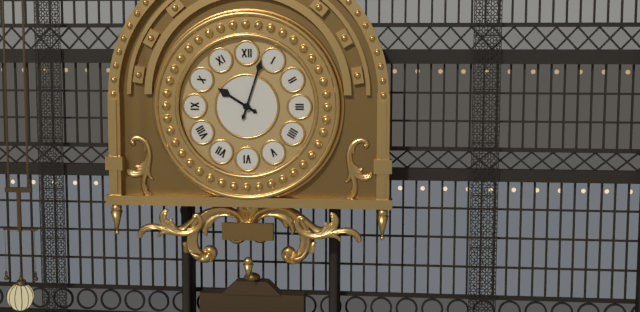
10:03
